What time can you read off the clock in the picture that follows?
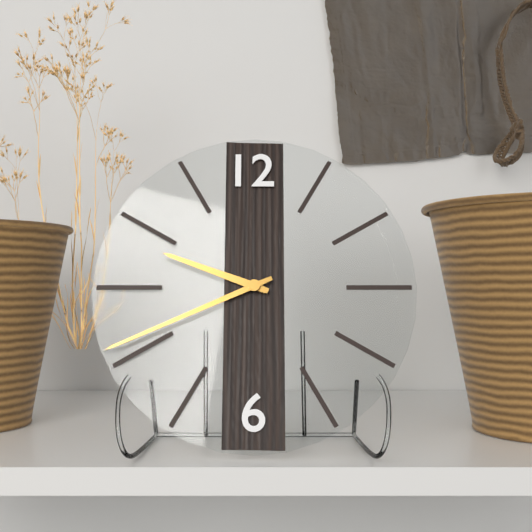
9:41
